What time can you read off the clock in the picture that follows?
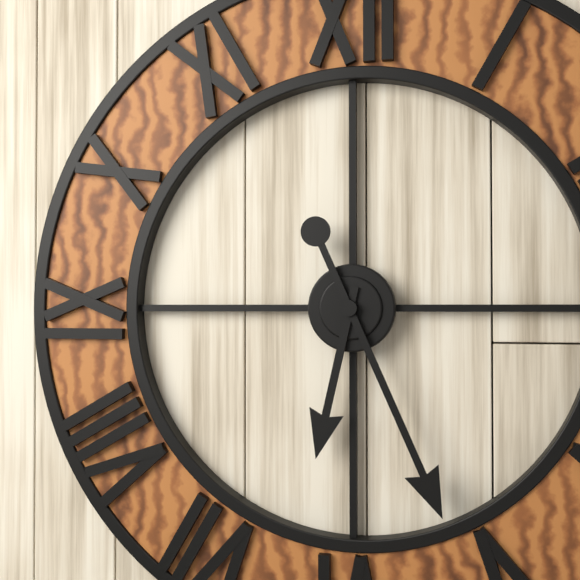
6:26
